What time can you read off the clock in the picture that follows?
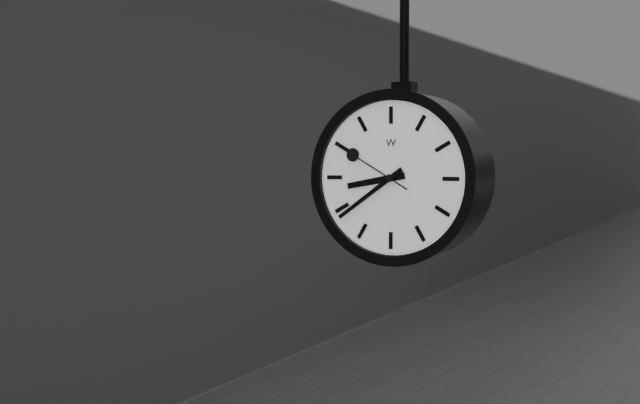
8:39:50
